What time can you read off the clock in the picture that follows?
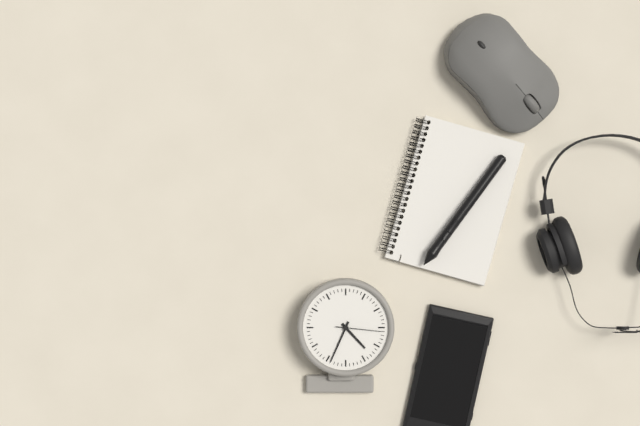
4:34
